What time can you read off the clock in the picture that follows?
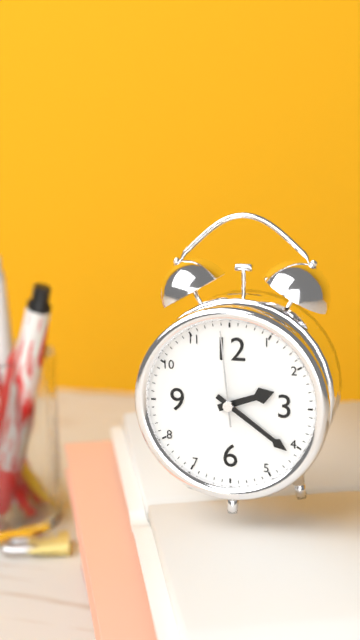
2:21:59
